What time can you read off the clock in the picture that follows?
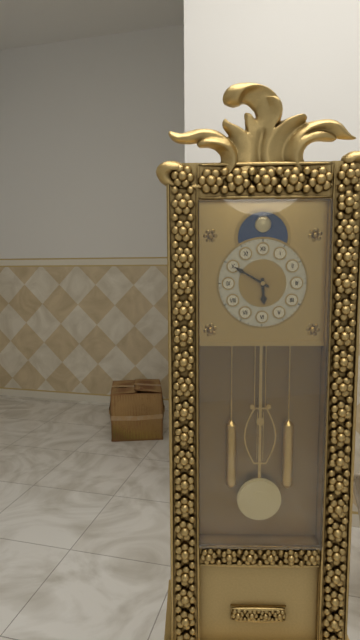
5:50
